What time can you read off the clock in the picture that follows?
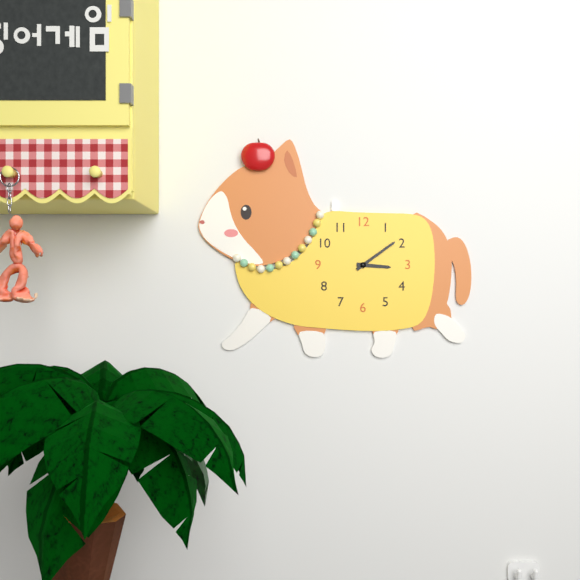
3:09
